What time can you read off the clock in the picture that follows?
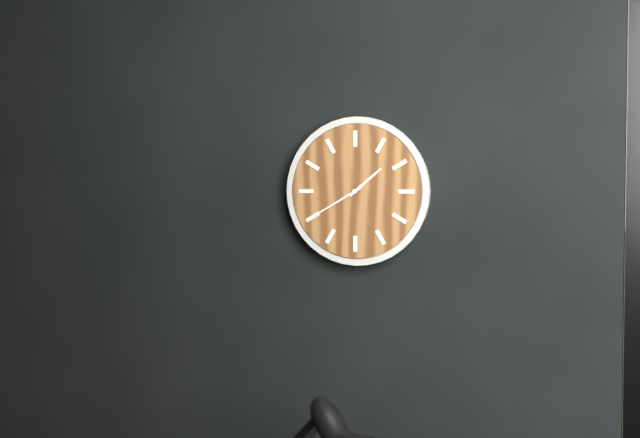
1:40
